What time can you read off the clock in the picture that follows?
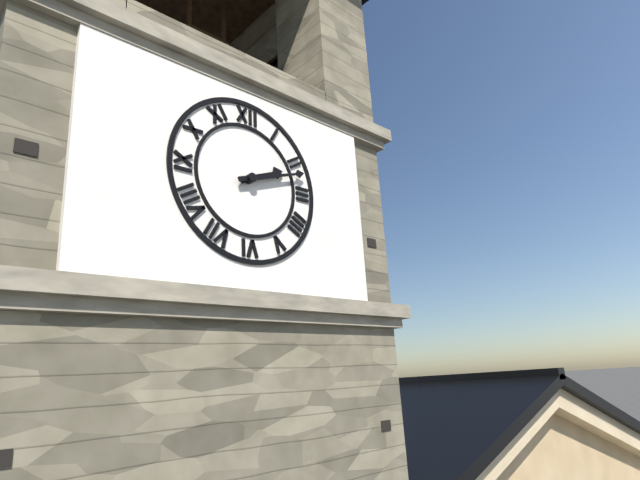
2:12
